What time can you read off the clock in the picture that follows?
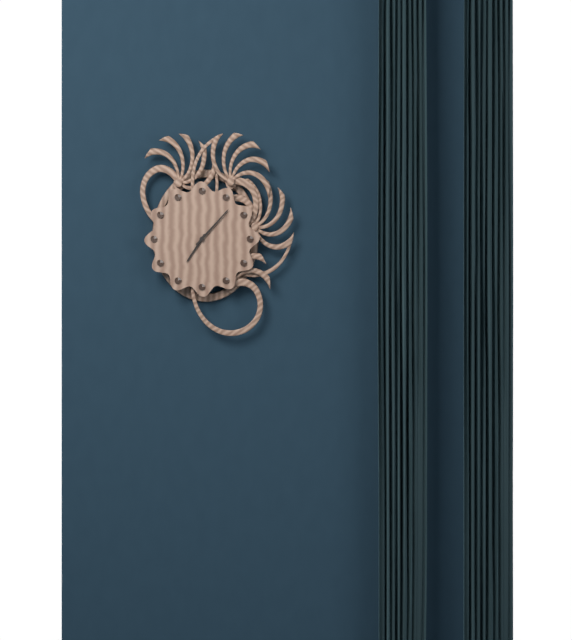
7:07
